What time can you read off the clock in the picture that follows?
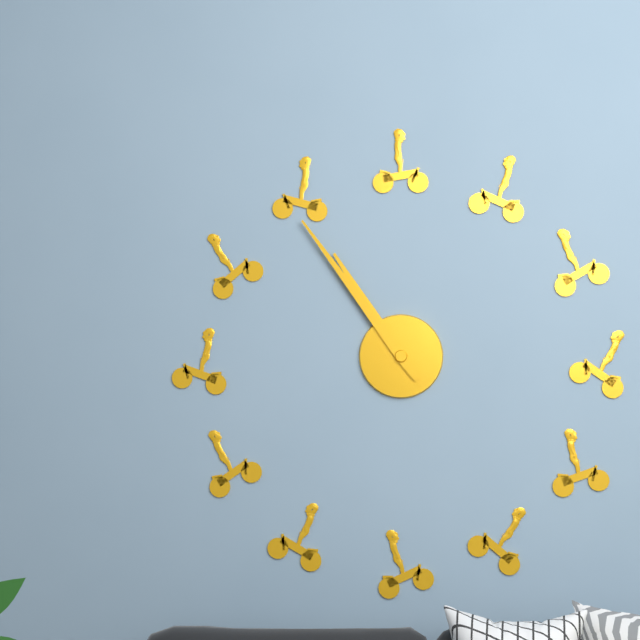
10:54
